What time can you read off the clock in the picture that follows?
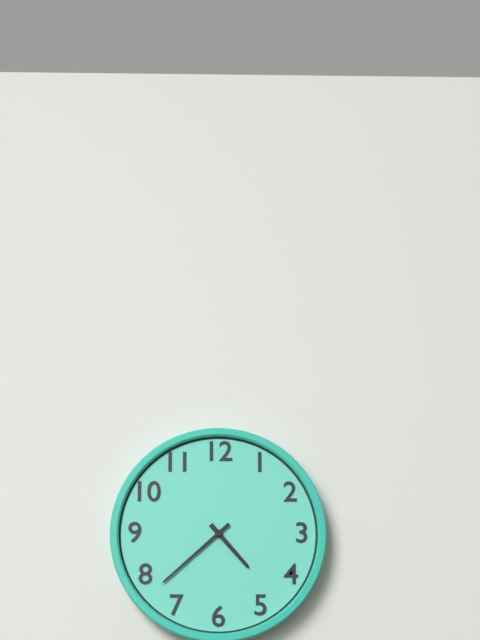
4:38
